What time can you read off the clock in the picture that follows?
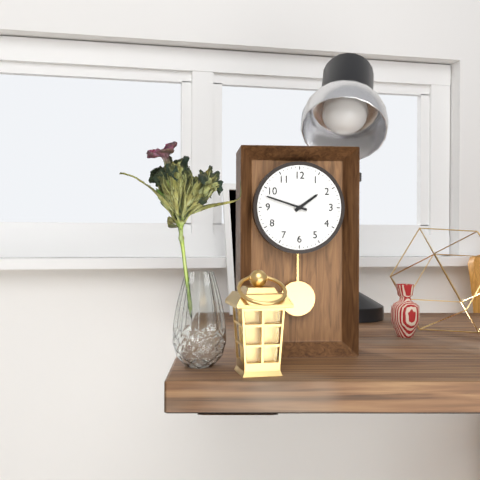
1:48
